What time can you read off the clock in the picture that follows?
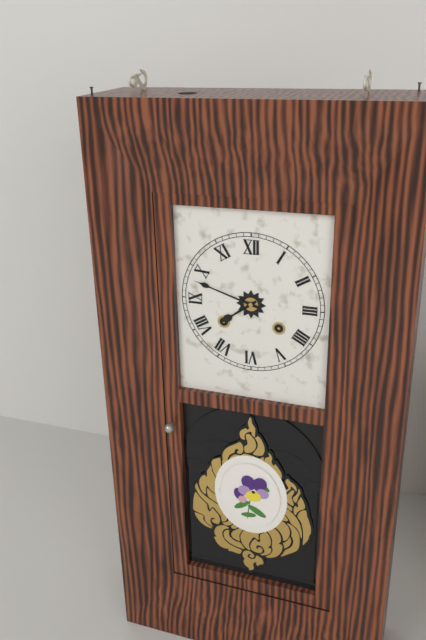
7:48
